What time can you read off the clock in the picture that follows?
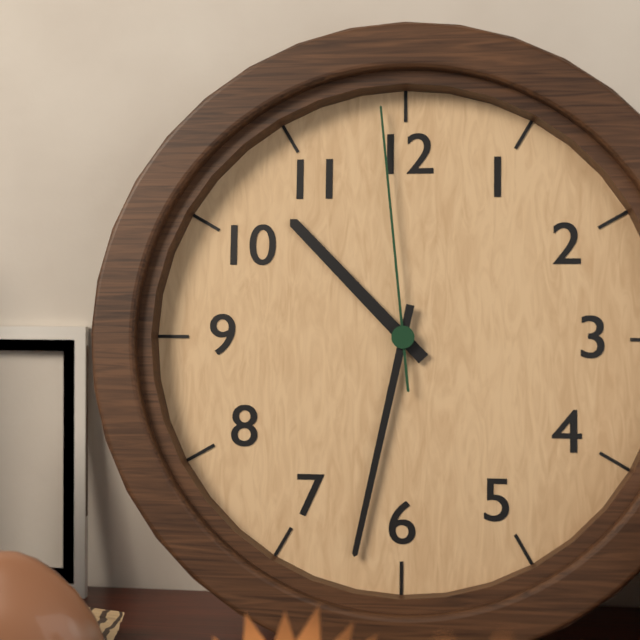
10:32:59
